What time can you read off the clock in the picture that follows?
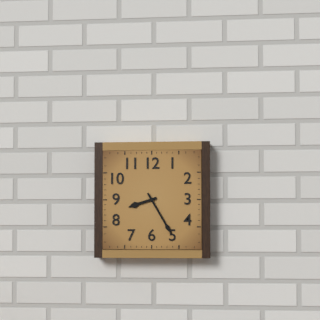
8:25
